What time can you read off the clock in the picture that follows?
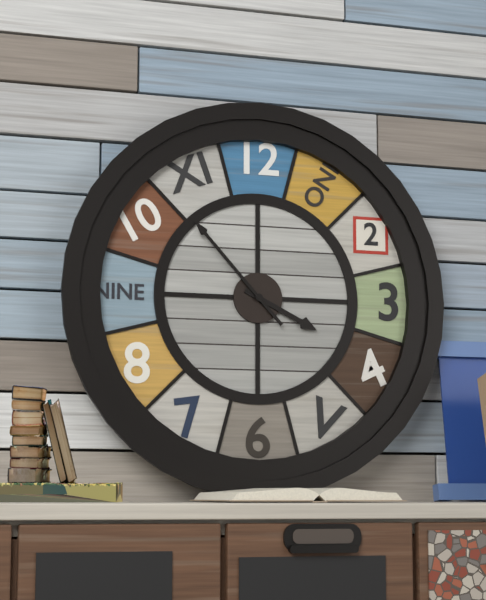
3:53
